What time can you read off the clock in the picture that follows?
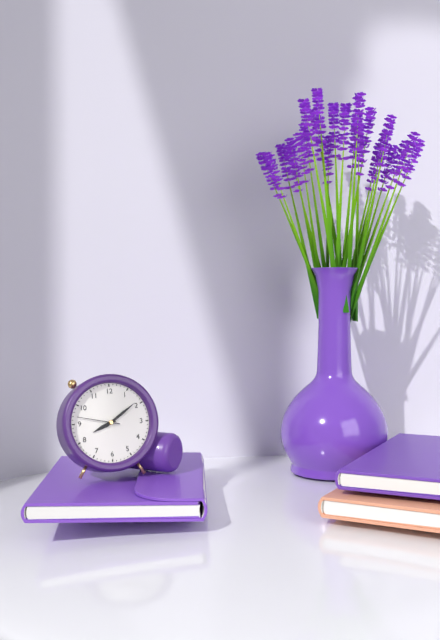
8:09
